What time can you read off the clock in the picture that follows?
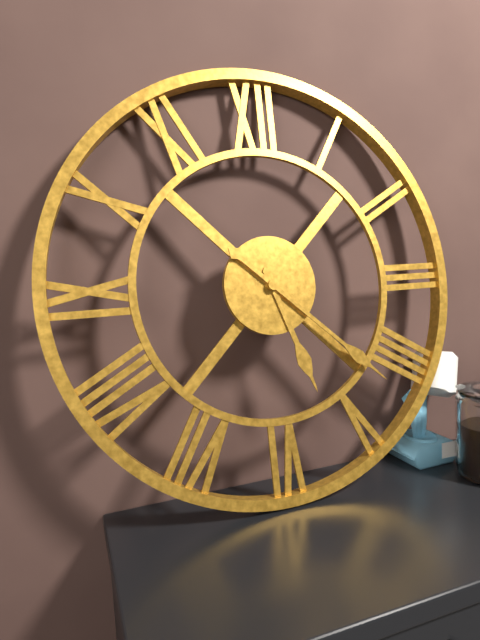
5:22
